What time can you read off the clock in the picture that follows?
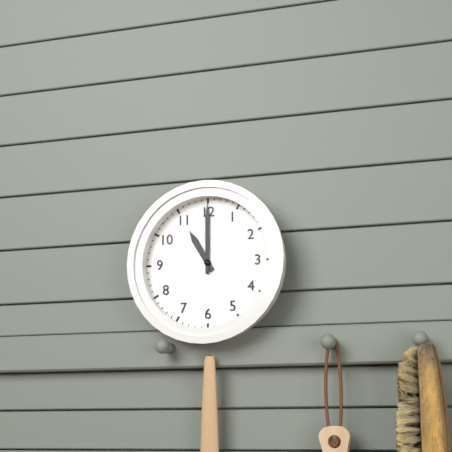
11:00
